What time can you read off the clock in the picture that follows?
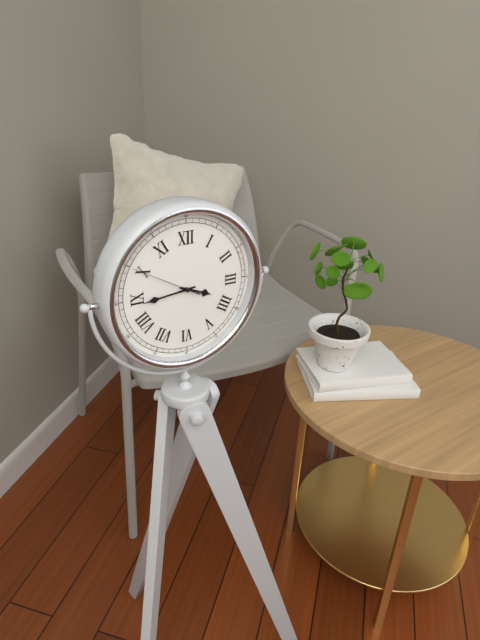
3:44:50
